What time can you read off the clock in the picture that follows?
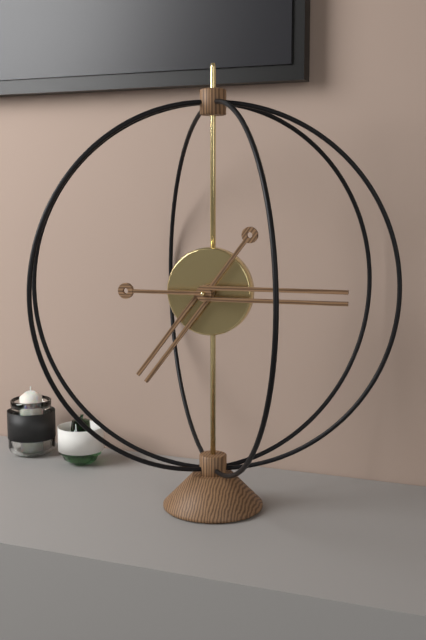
7:15
